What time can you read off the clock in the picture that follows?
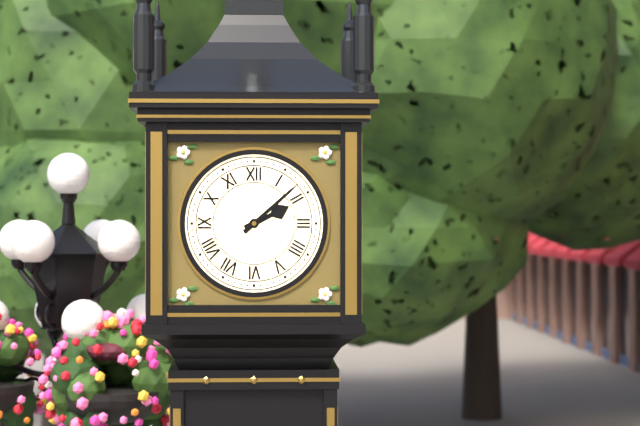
2:08
